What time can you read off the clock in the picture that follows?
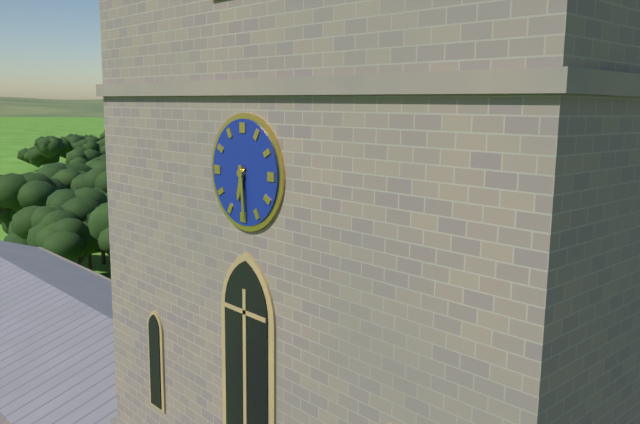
6:29
